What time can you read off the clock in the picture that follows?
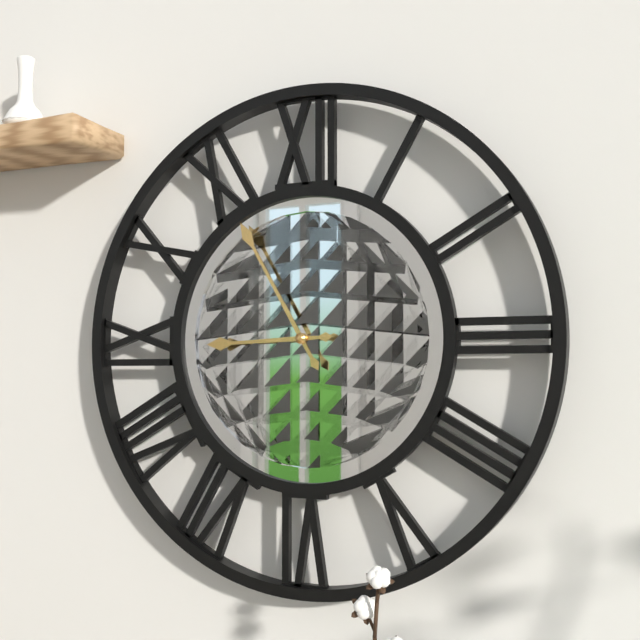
8:55
